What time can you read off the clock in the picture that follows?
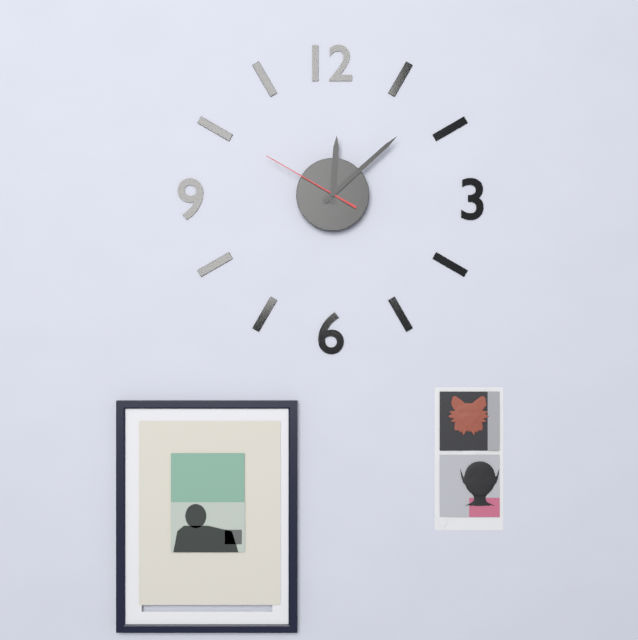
12:08:50
